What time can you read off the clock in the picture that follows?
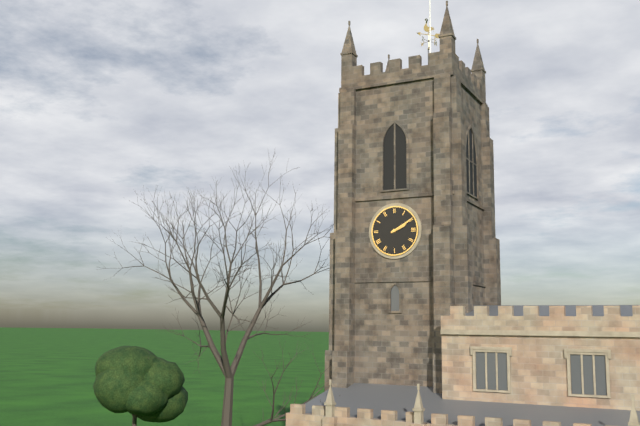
2:10
